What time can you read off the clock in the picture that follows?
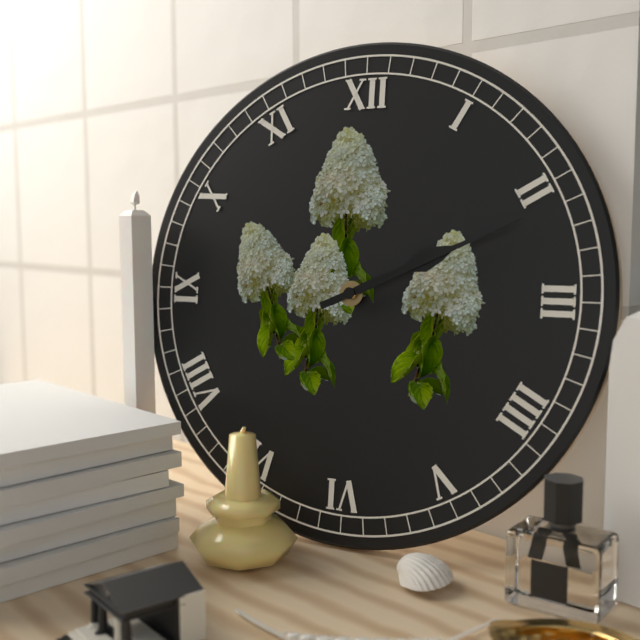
2:11
